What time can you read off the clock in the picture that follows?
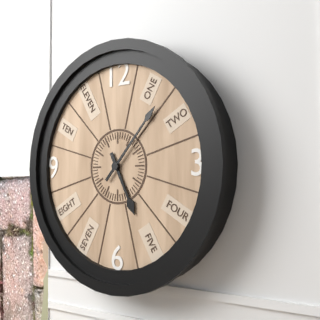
5:07
